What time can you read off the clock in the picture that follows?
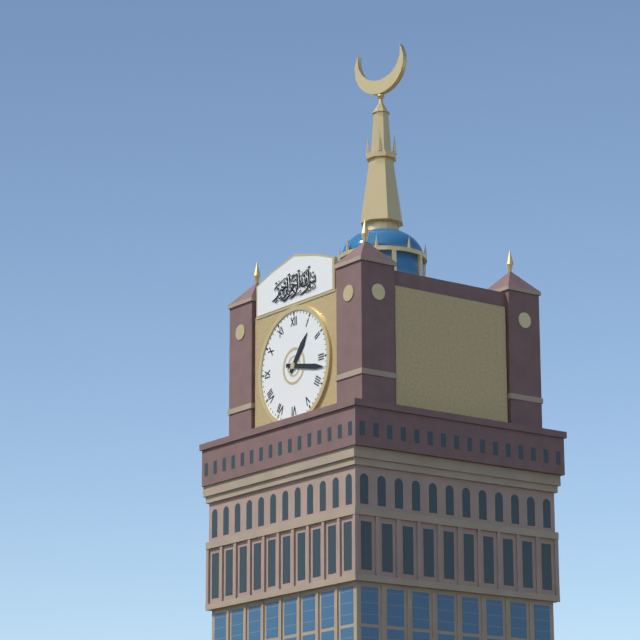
1:17
